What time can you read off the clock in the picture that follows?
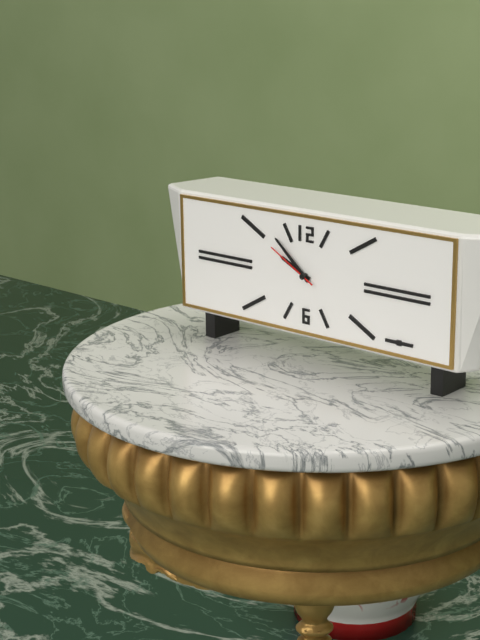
9:52:50
